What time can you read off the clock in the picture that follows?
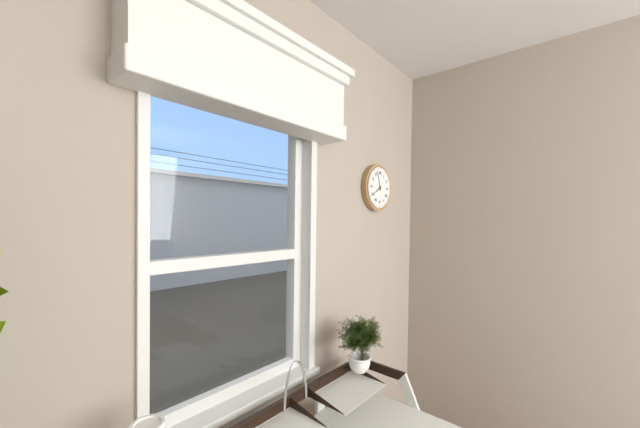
7:57
